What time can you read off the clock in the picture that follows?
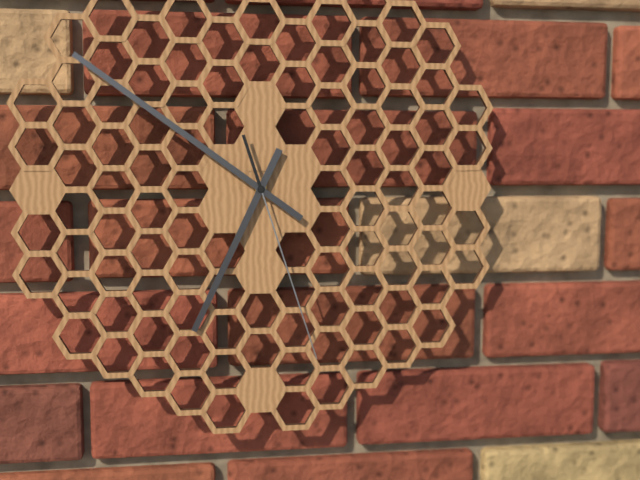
6:51:27
